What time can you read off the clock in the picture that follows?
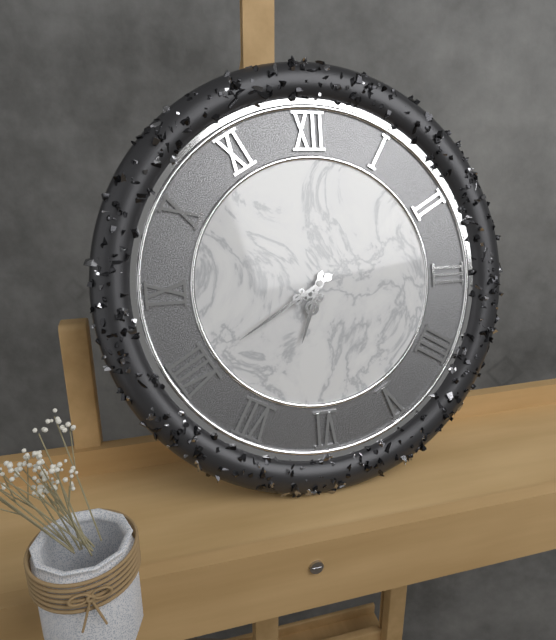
6:40
